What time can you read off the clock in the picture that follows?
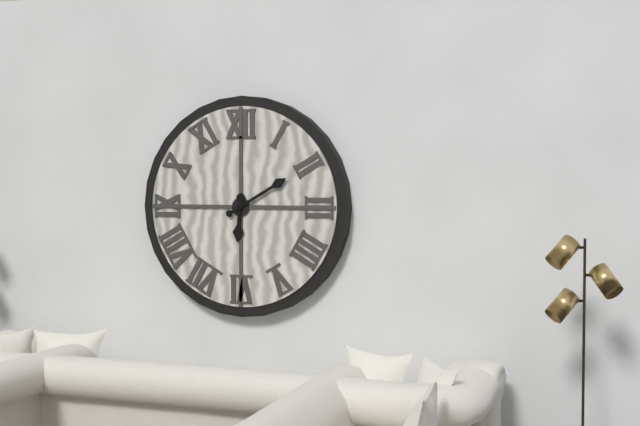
6:10
